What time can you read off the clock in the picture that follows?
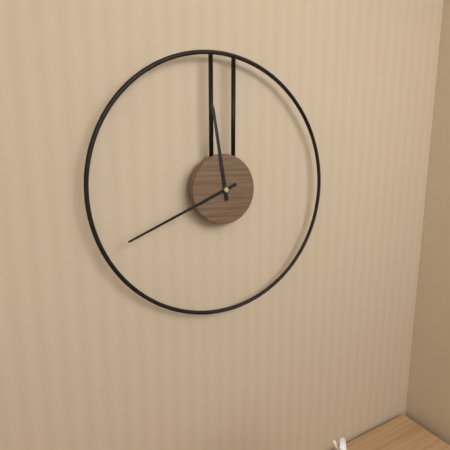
11:41
